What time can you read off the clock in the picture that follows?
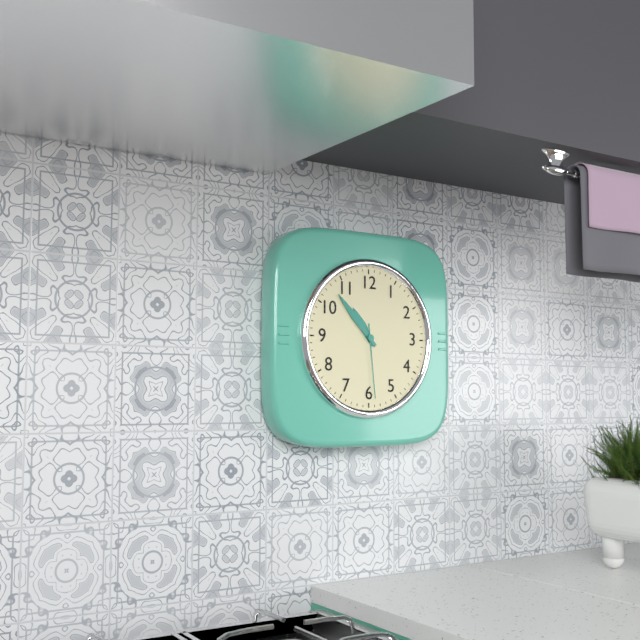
10:53:29
